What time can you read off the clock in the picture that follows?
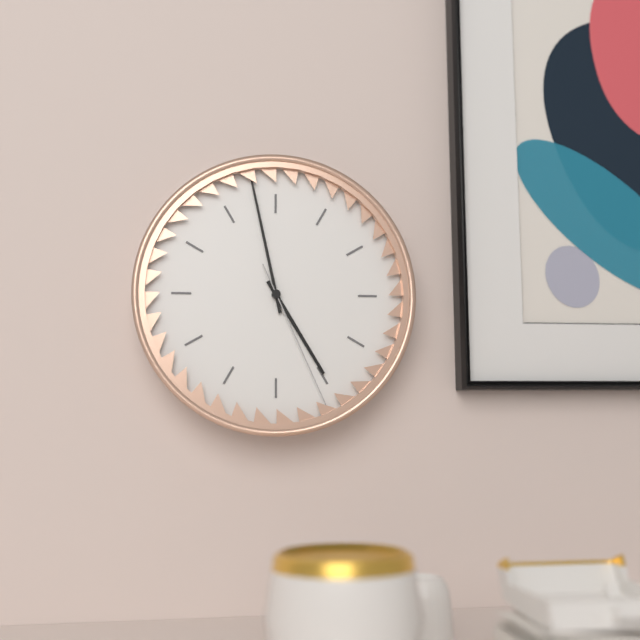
4:58:26
